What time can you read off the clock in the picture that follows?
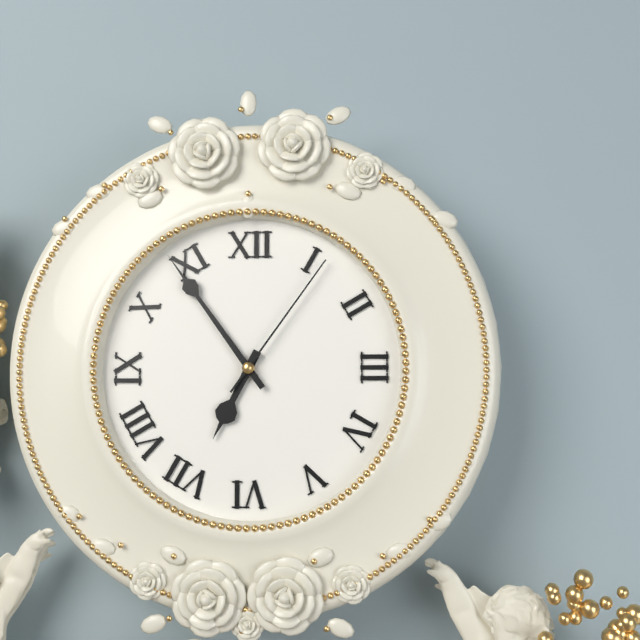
6:54:06
